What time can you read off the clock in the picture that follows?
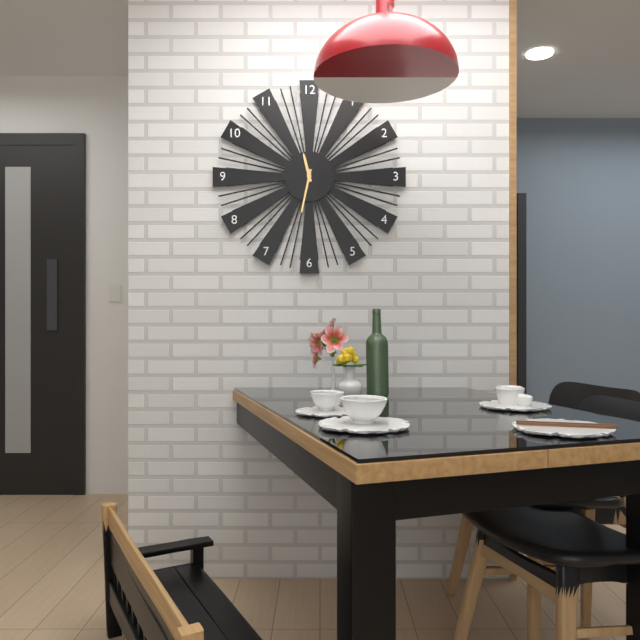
11:32
